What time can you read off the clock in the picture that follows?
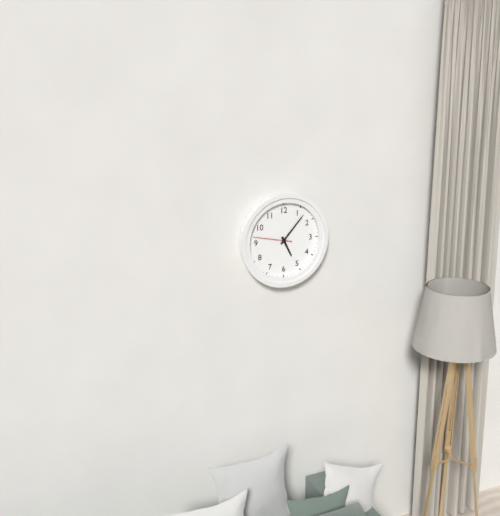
5:07
